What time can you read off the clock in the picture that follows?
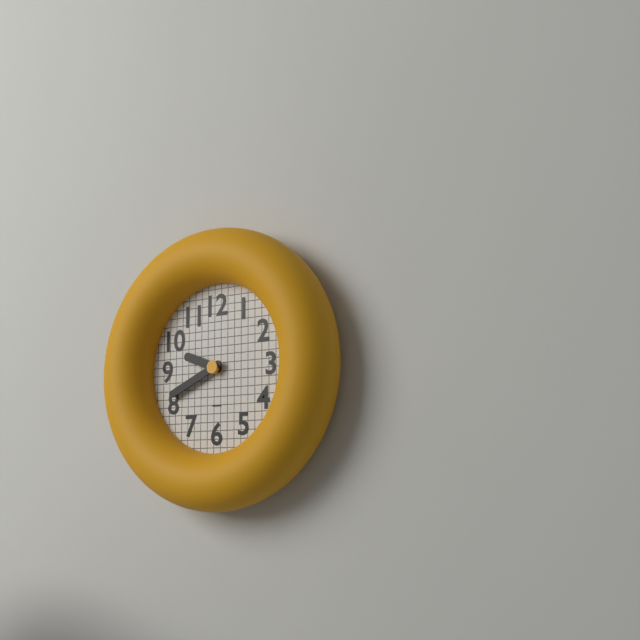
9:41
